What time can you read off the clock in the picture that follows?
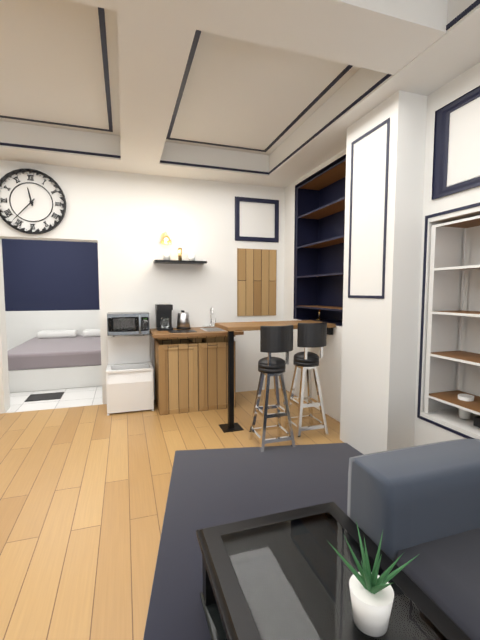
11:37
